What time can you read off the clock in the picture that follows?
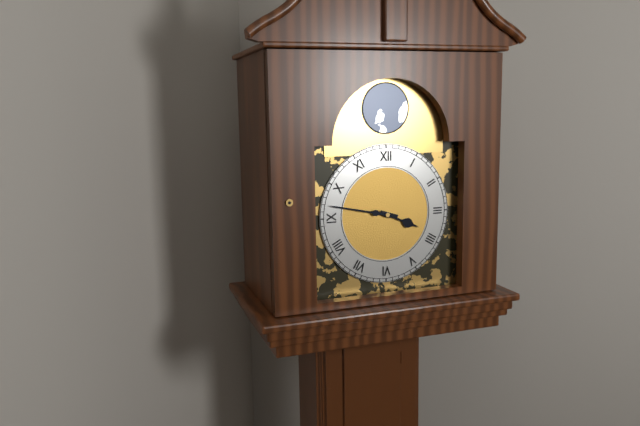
3:47
